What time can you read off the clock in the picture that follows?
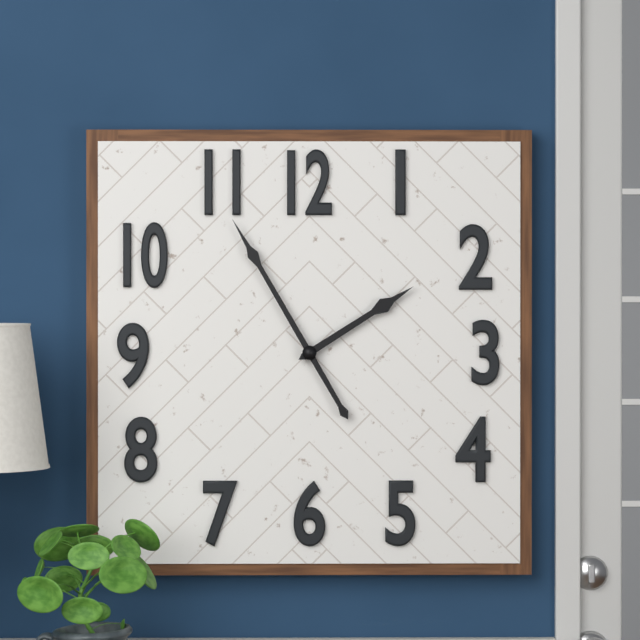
1:55
